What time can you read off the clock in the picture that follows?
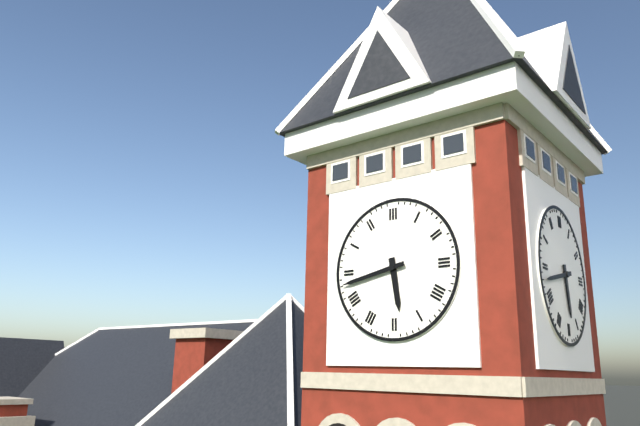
5:43
